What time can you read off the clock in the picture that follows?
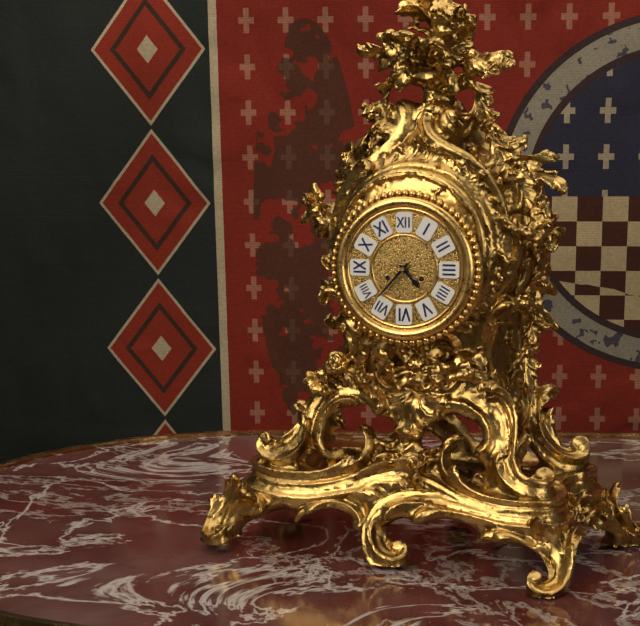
4:37
